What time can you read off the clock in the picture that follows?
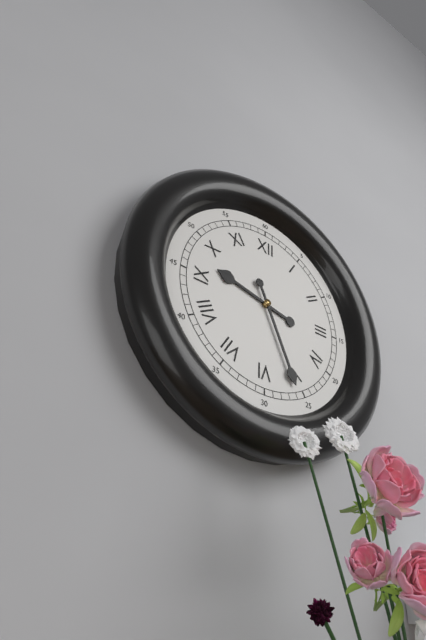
9:26
